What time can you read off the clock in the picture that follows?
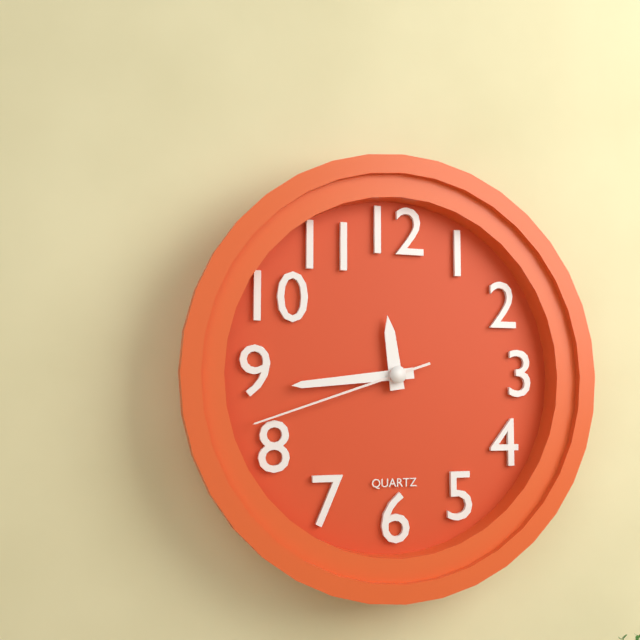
11:44:42
